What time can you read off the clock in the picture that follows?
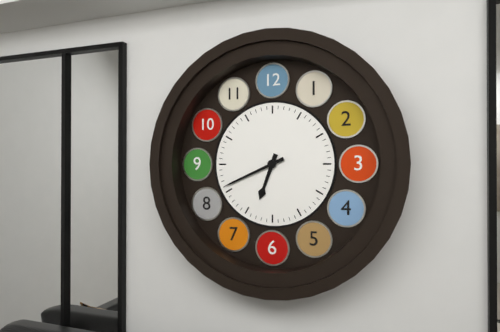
6:41
